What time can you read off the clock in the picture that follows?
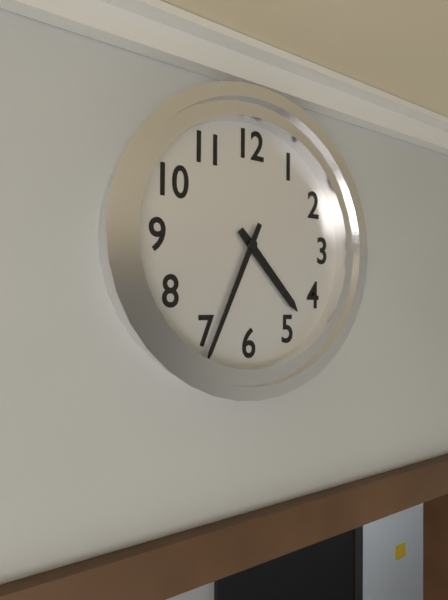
4:34
